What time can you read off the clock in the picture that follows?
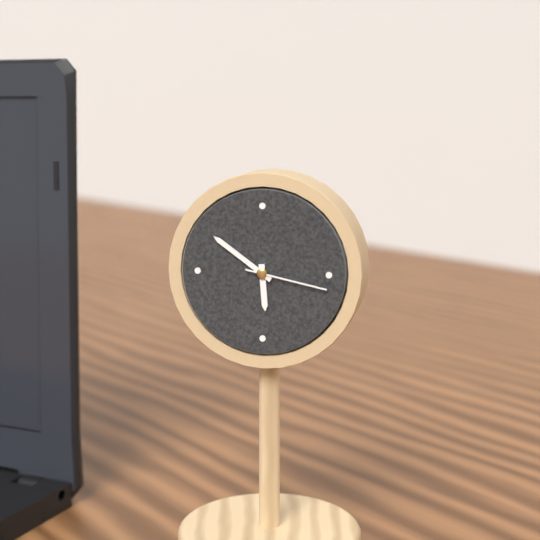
5:51:17
